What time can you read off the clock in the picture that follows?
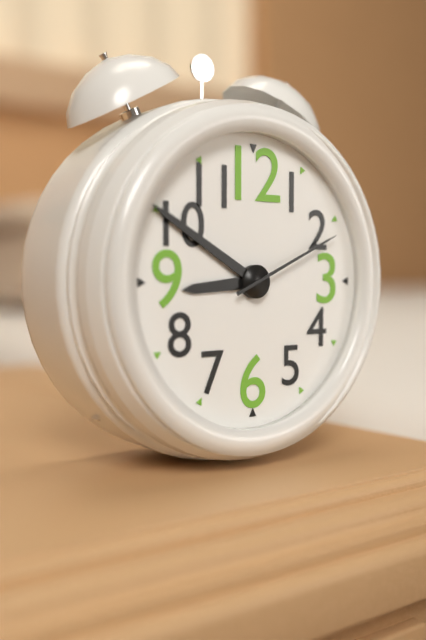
8:50:11
